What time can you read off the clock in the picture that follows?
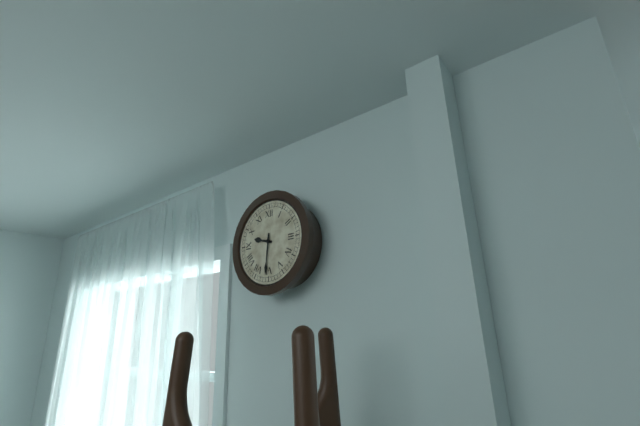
9:31
